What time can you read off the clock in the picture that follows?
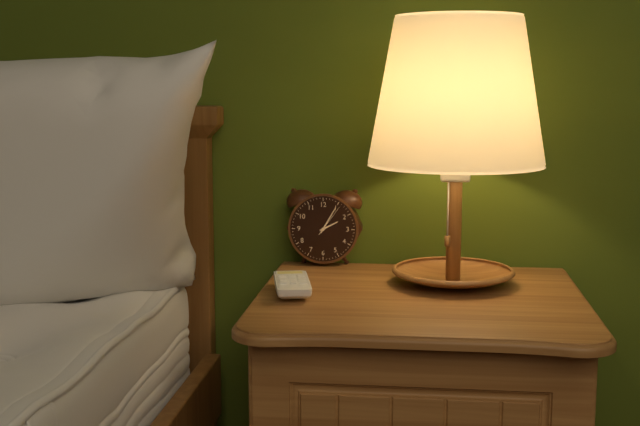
2:05
